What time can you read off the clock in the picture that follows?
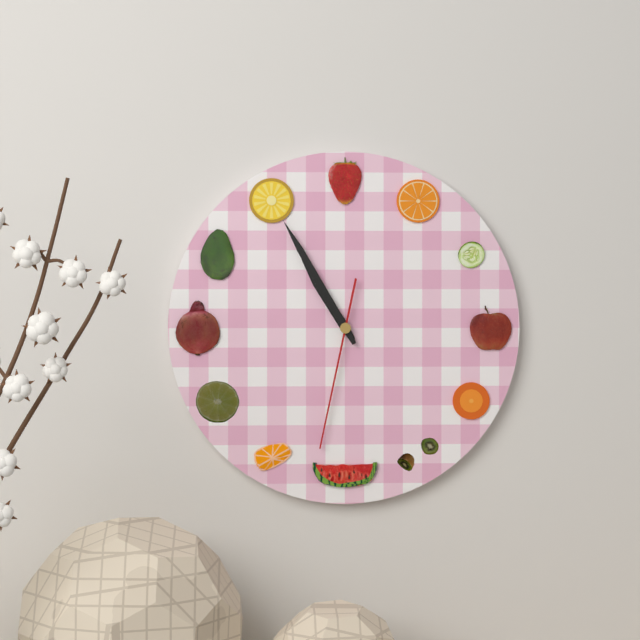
10:55:32
